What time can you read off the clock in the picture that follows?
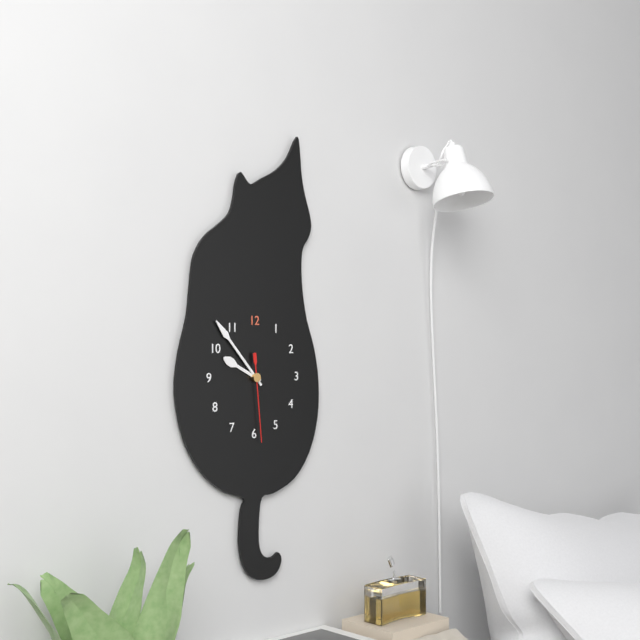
9:53:29
